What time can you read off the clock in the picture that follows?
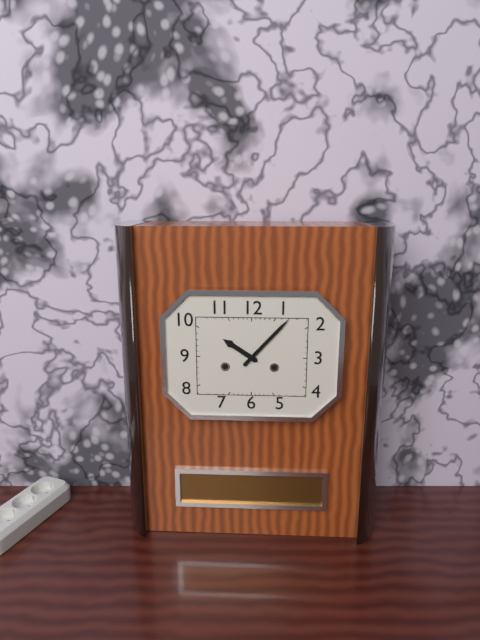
10:07
